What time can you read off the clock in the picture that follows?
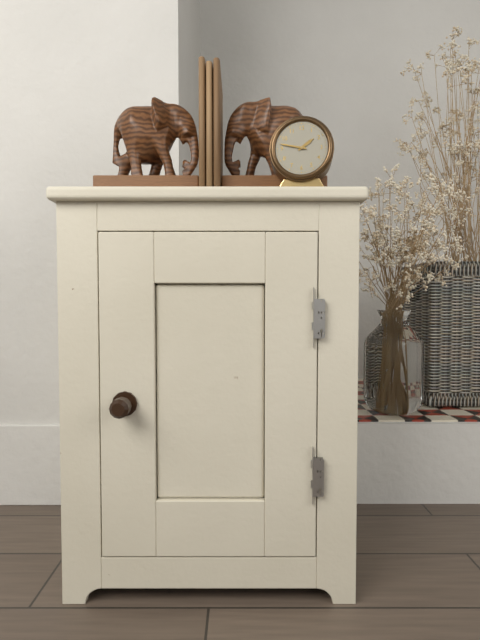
1:47
